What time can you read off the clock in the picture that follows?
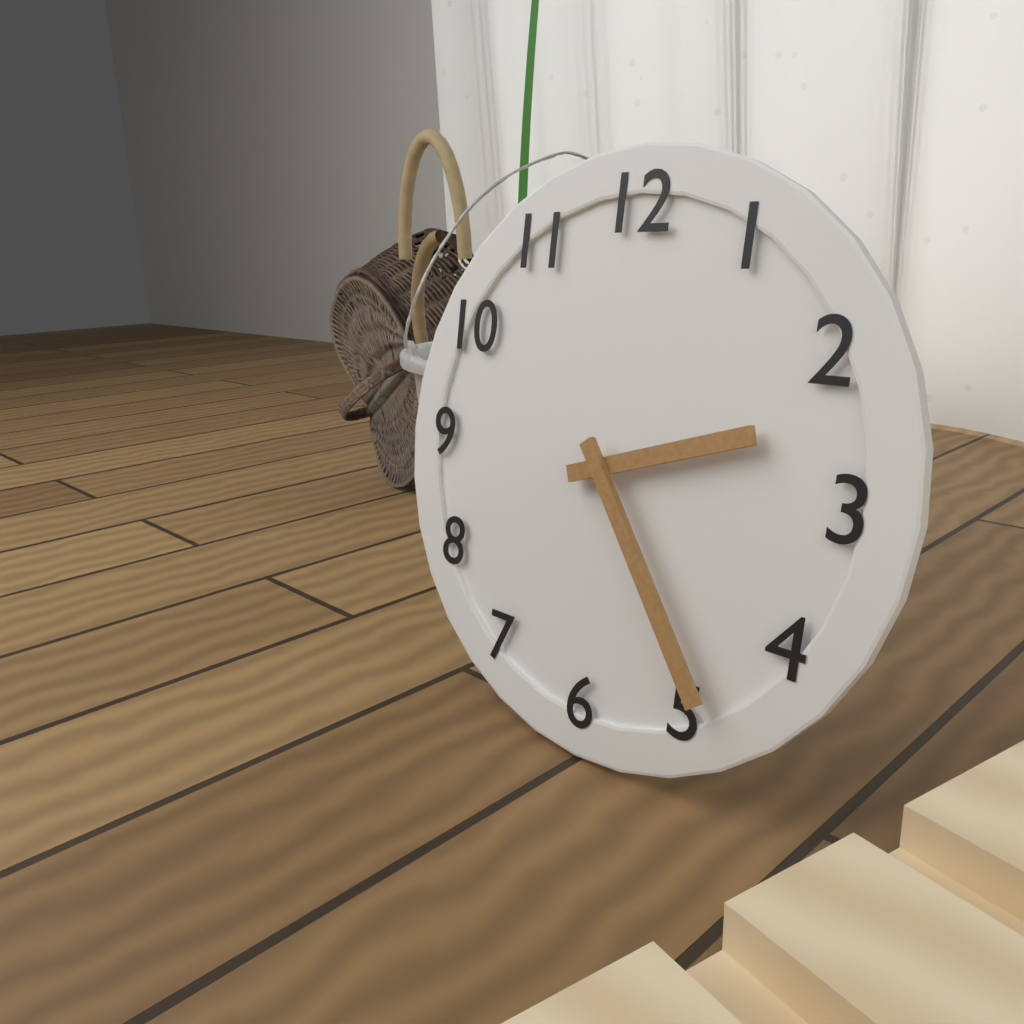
2:24
